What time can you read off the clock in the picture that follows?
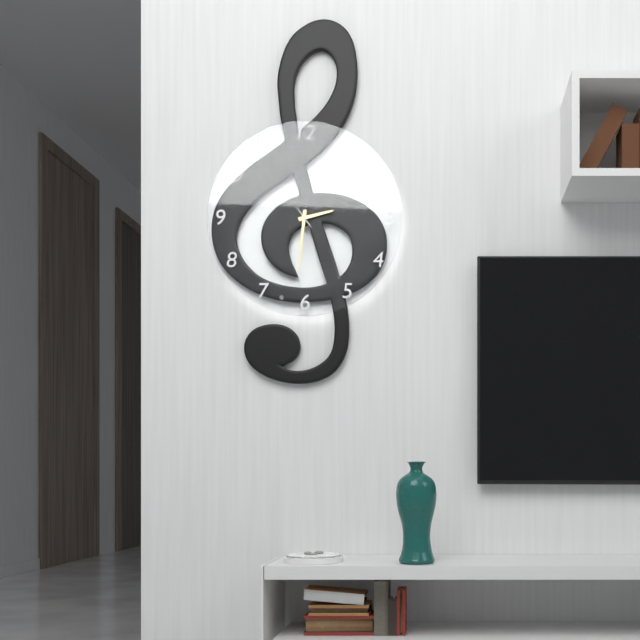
2:31:54
